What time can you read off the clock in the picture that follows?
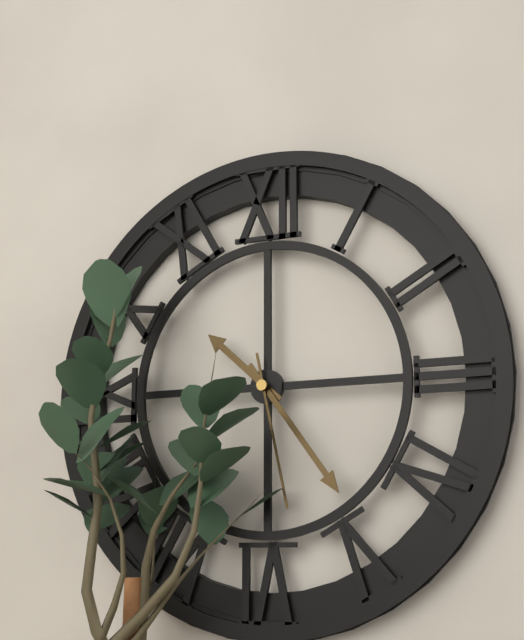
10:24:28
